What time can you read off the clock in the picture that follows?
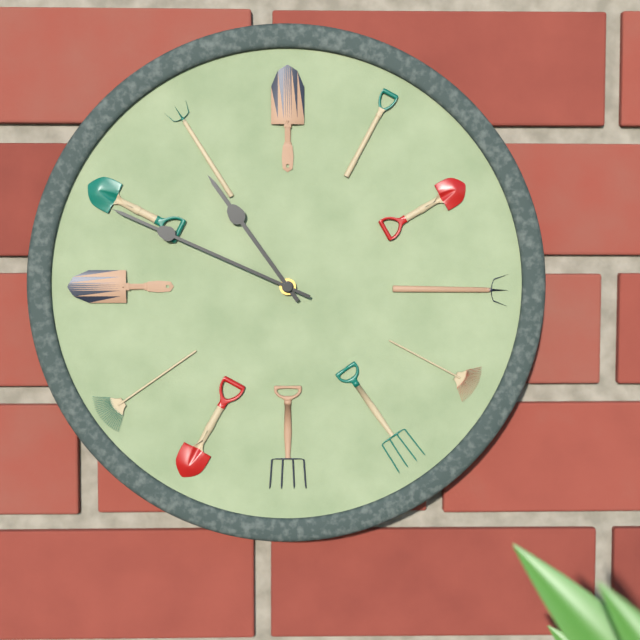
10:49
